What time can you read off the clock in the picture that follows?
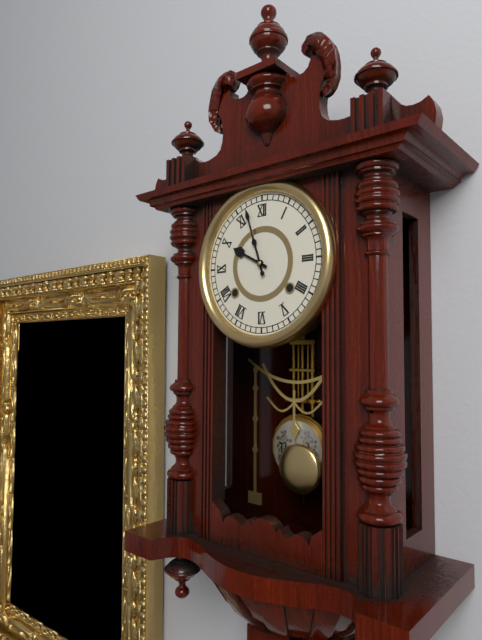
9:57
